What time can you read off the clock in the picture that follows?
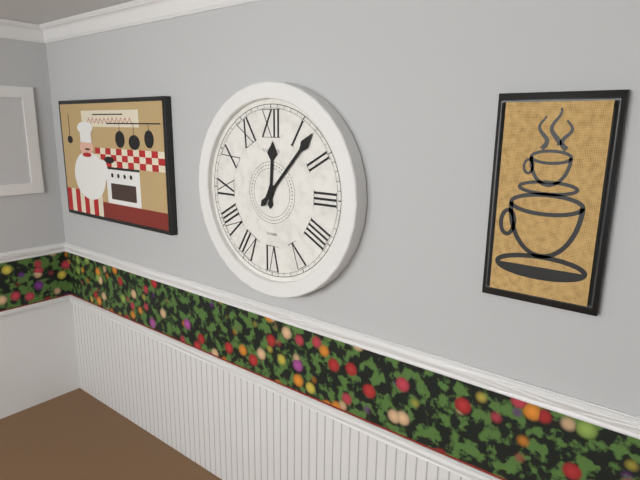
12:07
